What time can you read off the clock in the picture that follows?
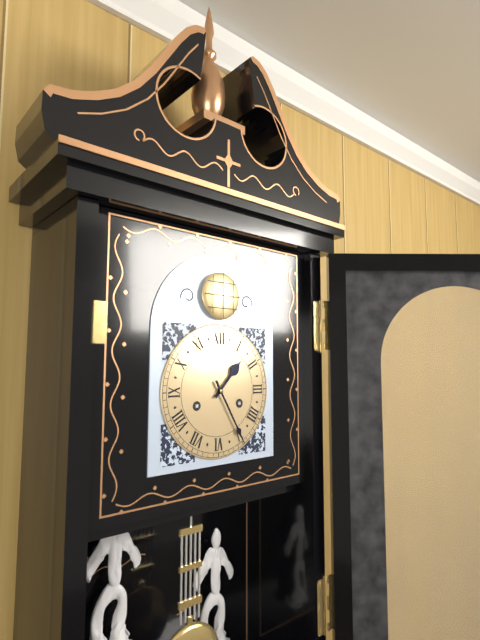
1:25
